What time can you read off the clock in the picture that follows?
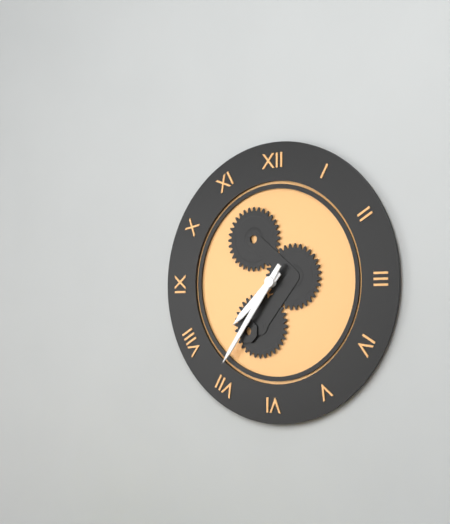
7:36
